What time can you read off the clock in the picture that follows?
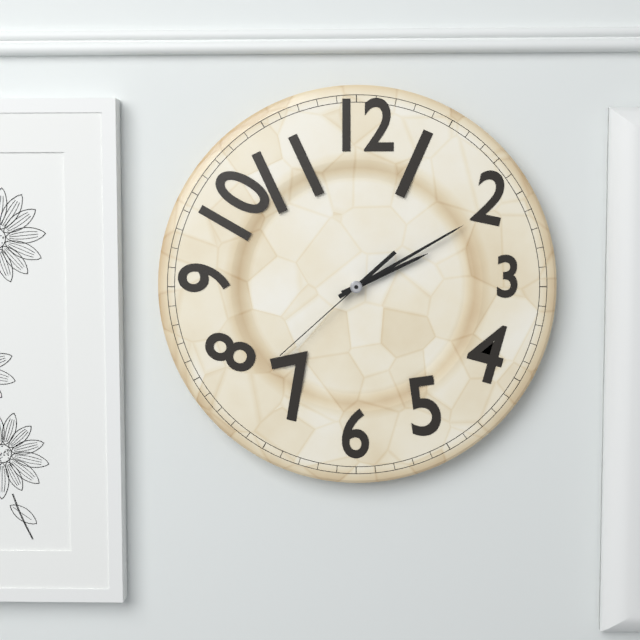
2:10:38
